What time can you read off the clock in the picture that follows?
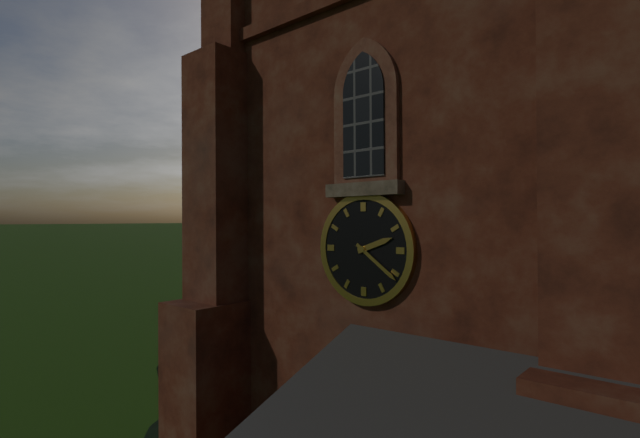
2:21
